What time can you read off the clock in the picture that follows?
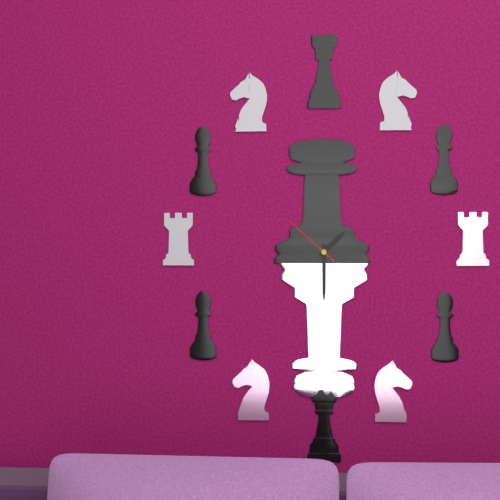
1:30:52
